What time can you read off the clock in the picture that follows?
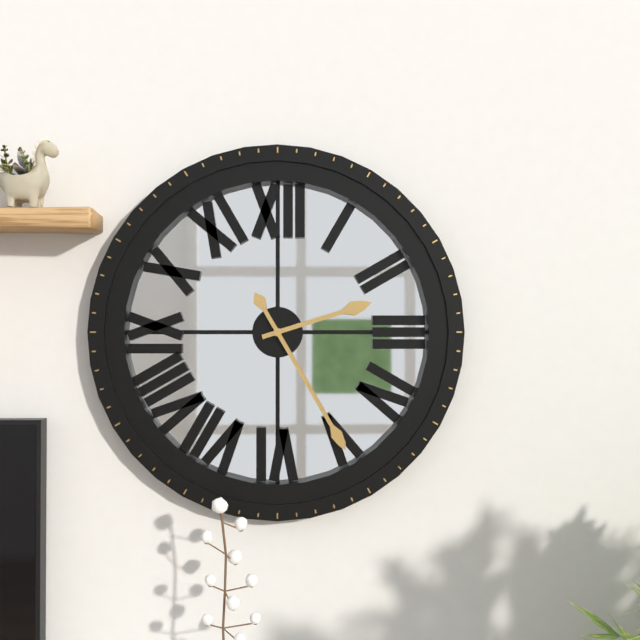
2:25
